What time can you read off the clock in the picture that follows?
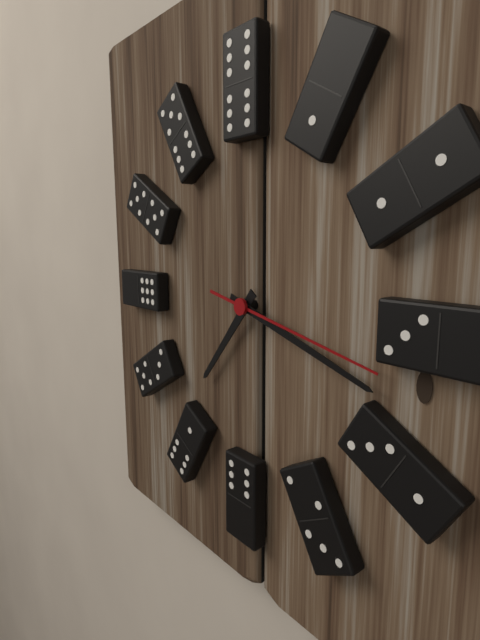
7:18:17
